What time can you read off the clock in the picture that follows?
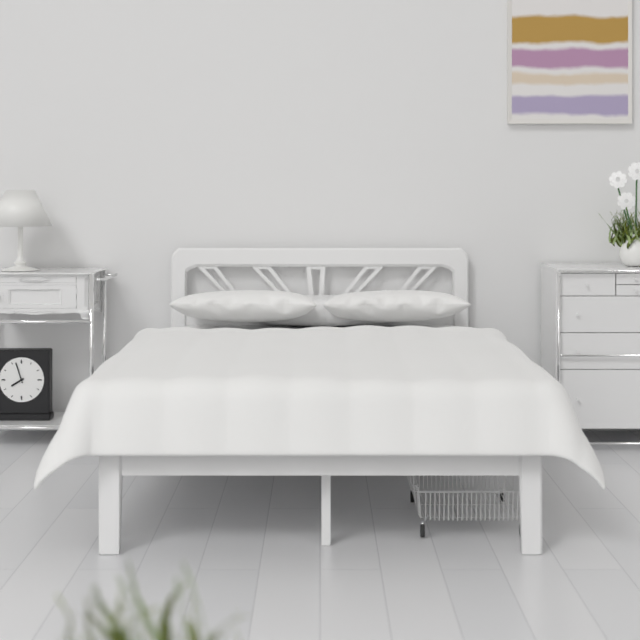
7:57
